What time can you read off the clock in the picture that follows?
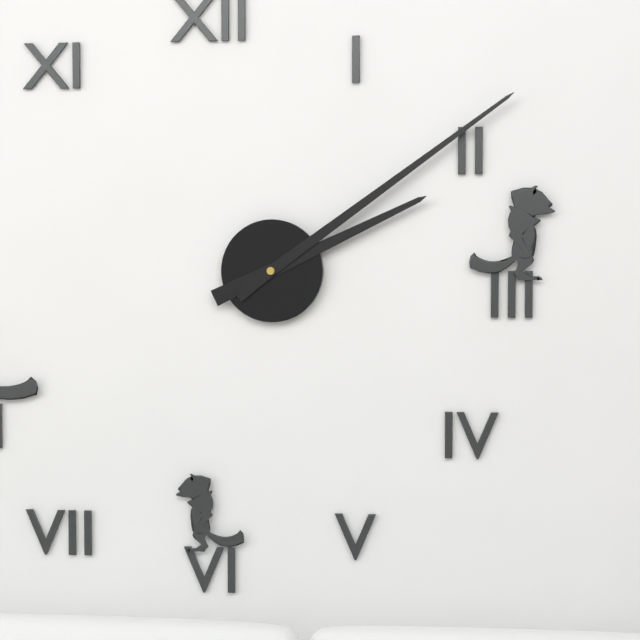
2:09
